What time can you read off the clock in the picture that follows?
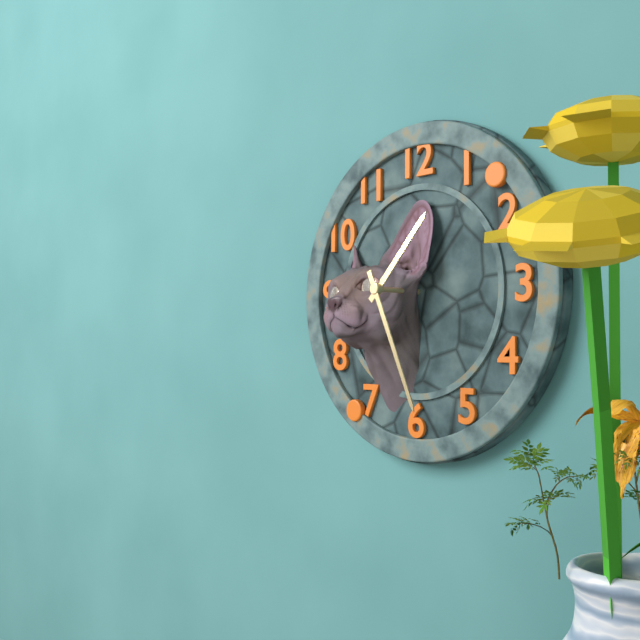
1:26
